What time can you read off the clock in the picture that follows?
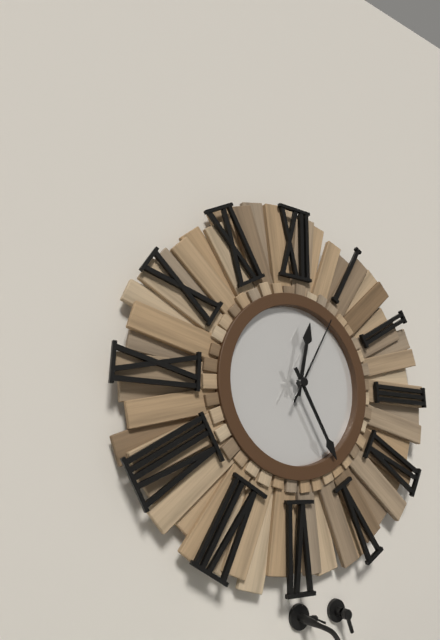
12:25:05
